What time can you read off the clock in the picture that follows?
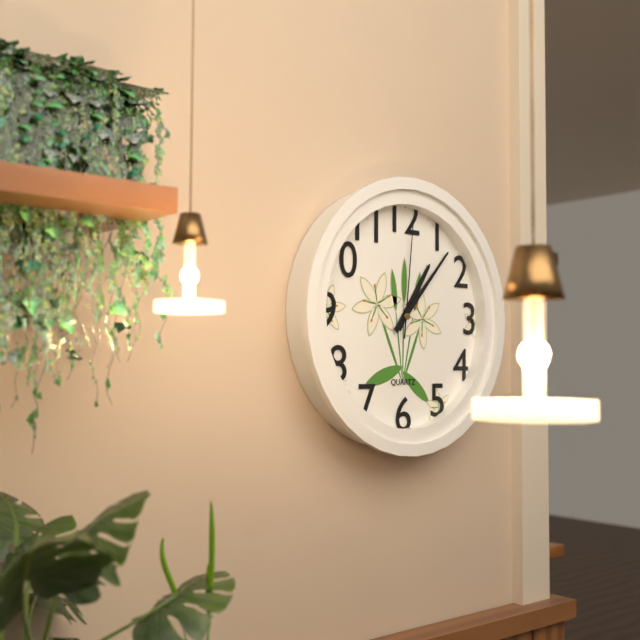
1:07:01
